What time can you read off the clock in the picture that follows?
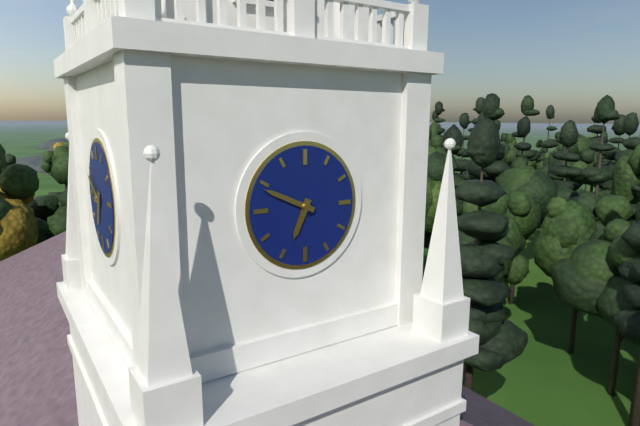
6:49
